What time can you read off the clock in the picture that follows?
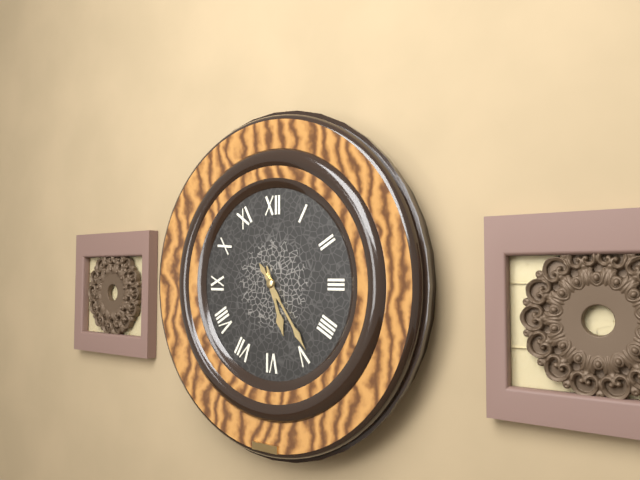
5:24
